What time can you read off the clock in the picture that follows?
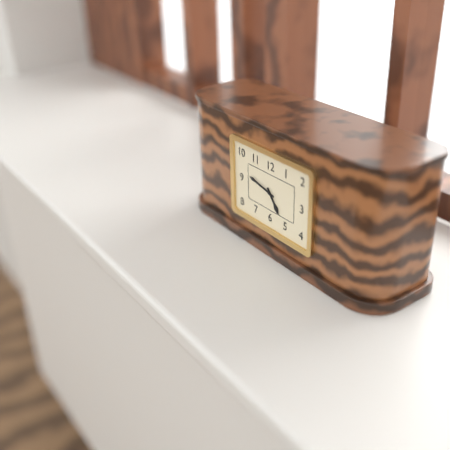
4:47
